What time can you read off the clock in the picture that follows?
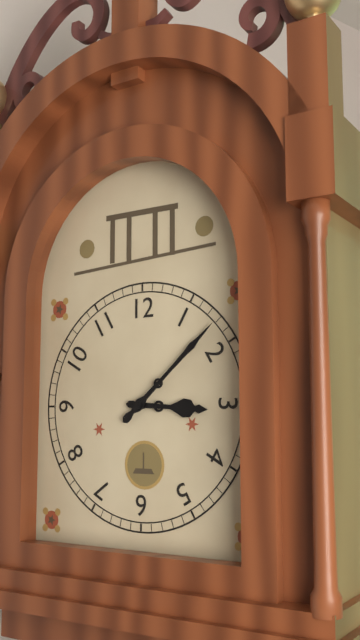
3:08
